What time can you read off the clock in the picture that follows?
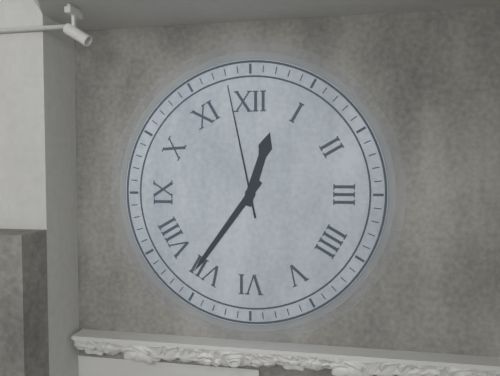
12:36:58
